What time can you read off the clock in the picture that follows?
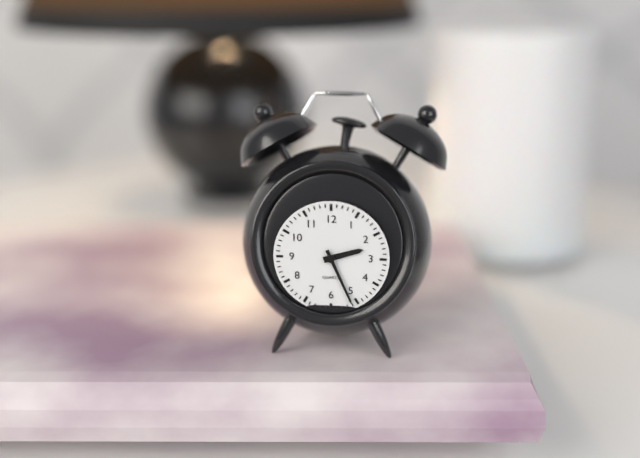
2:26
